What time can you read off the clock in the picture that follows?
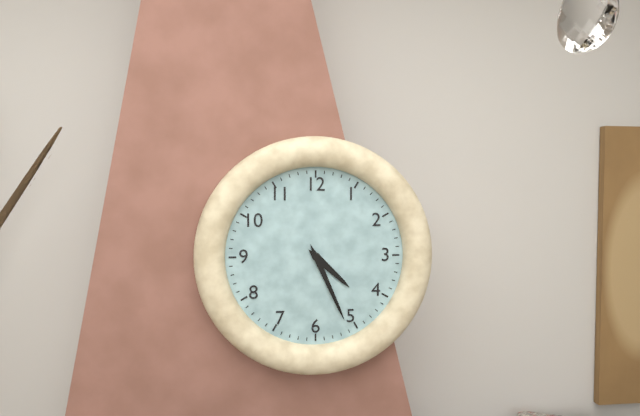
4:26
